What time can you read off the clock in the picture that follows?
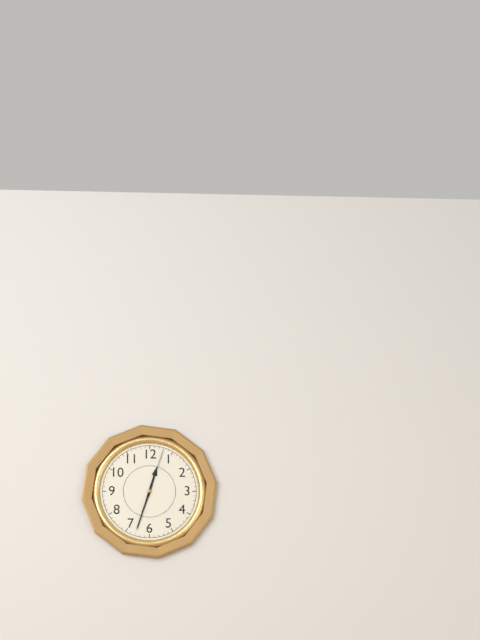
12:33:03
